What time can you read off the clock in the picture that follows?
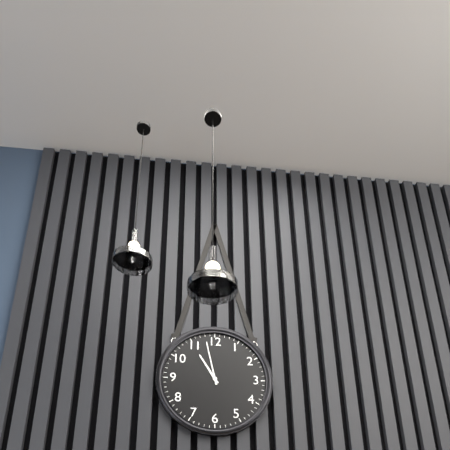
10:58
